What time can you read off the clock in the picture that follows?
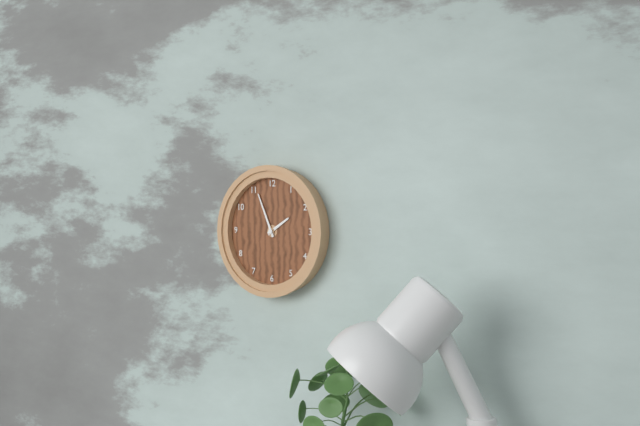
1:56
